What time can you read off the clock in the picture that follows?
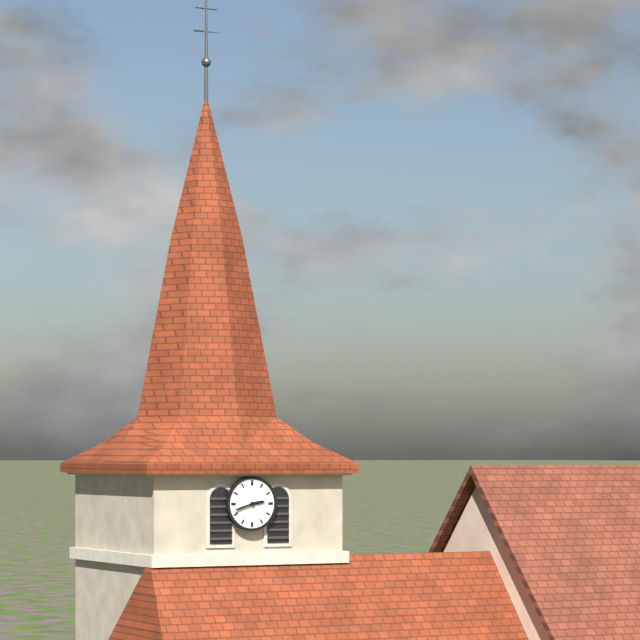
2:42
